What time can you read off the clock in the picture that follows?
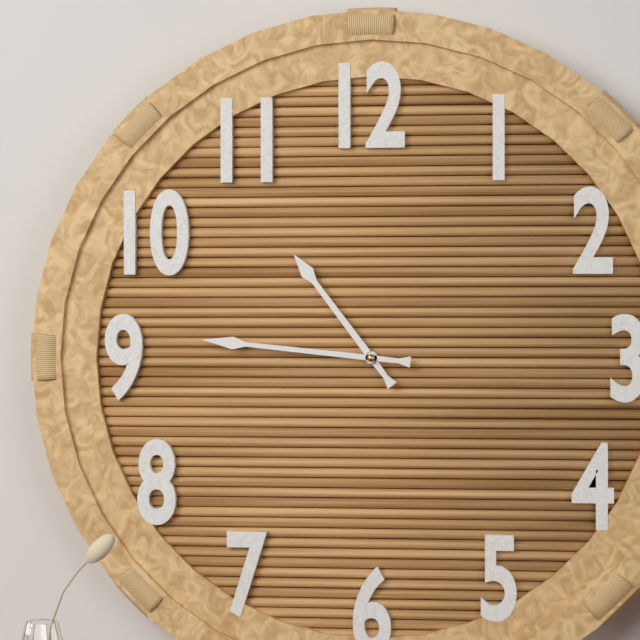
10:46
